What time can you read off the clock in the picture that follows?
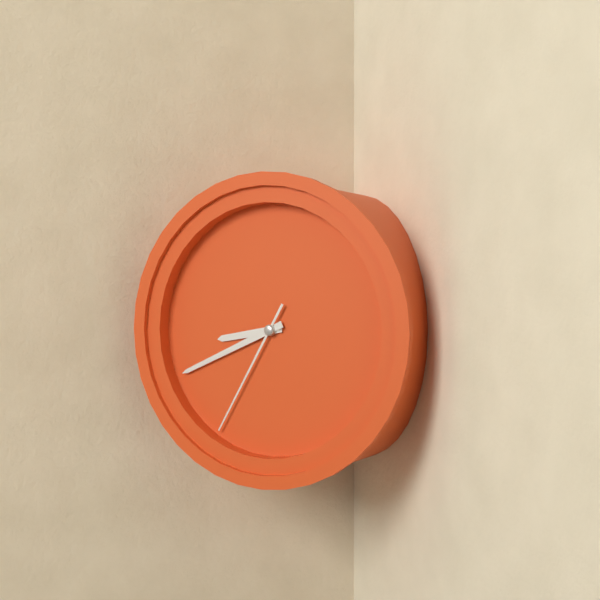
8:41:35
